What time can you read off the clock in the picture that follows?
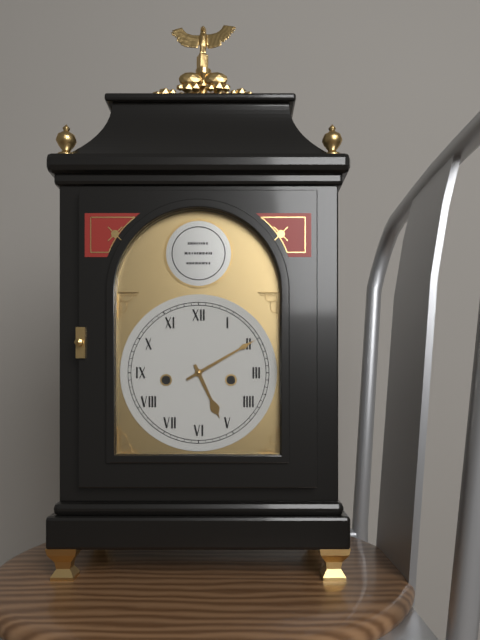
5:10
